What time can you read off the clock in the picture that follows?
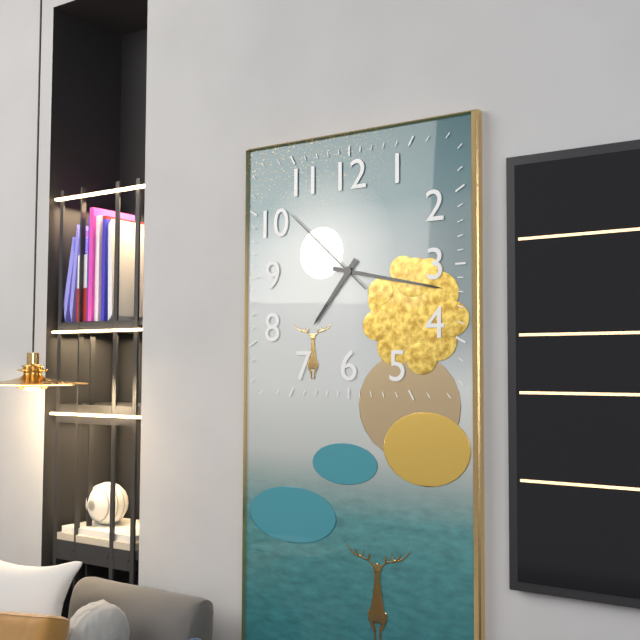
7:17:52
